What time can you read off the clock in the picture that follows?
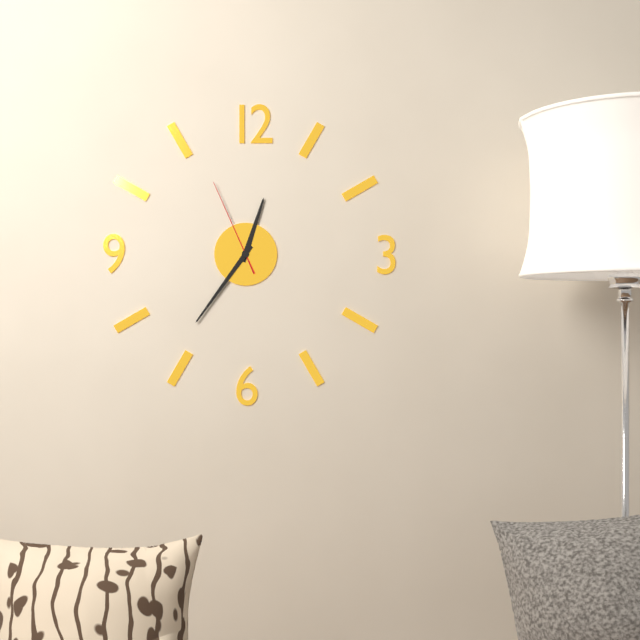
12:36:56
